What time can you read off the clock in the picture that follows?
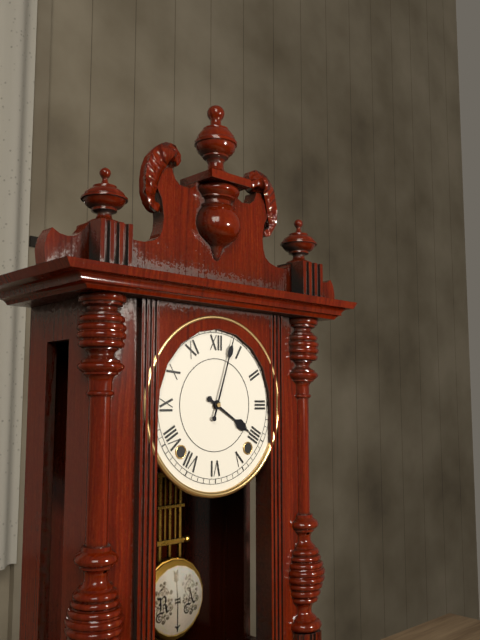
4:03
